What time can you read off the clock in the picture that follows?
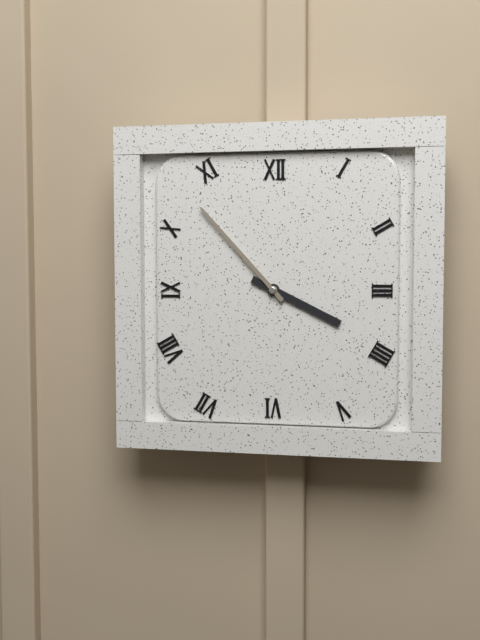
3:53
